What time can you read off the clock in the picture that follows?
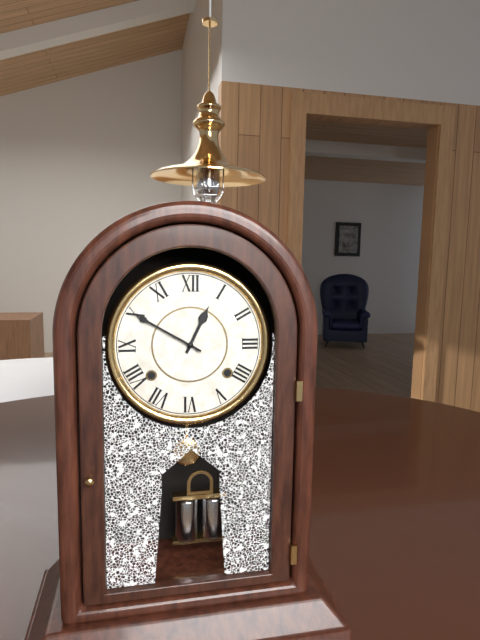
12:50
